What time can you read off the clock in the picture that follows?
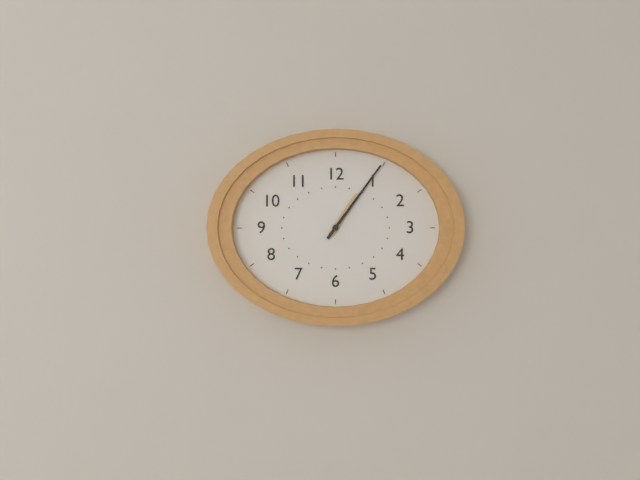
1:06
